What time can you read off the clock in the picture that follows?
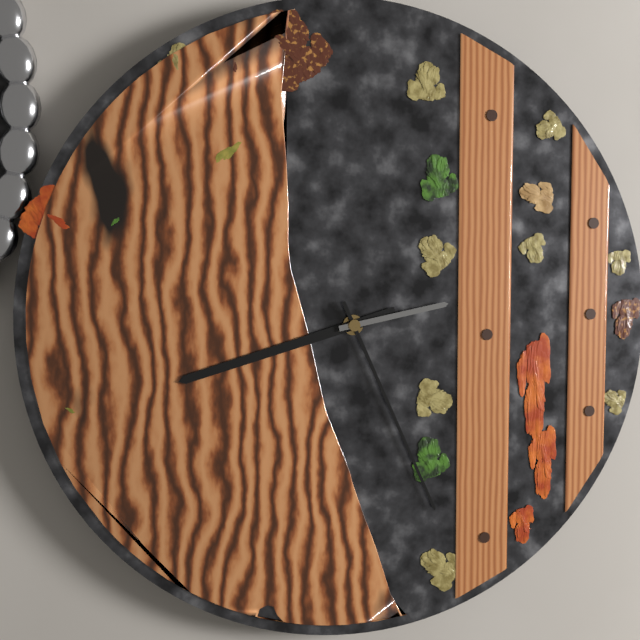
8:26:13
